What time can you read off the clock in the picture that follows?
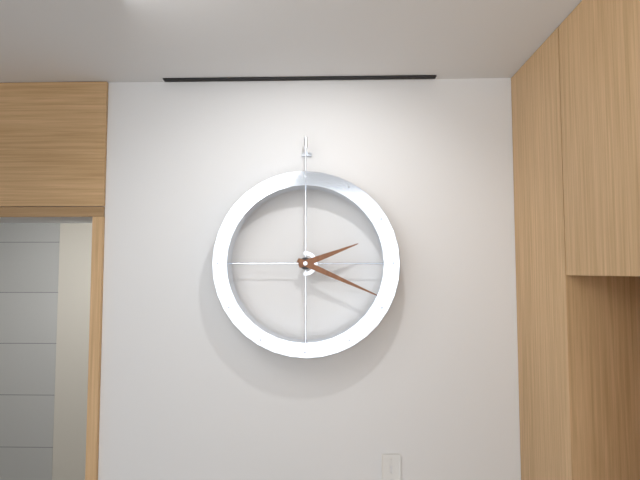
2:19
